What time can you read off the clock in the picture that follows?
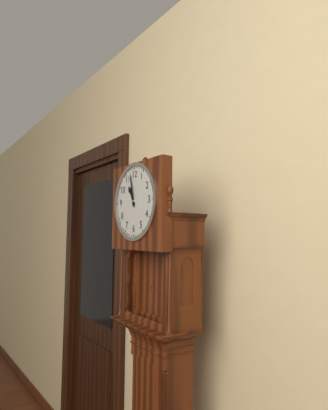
10:58
